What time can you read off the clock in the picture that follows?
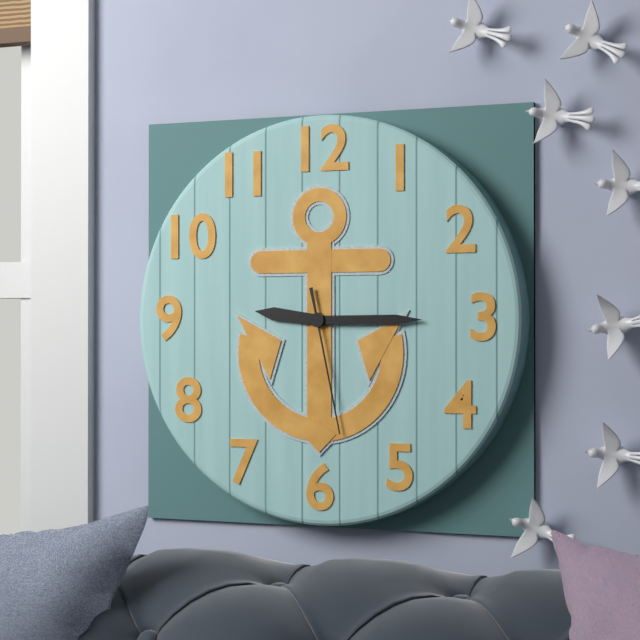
9:15:28
